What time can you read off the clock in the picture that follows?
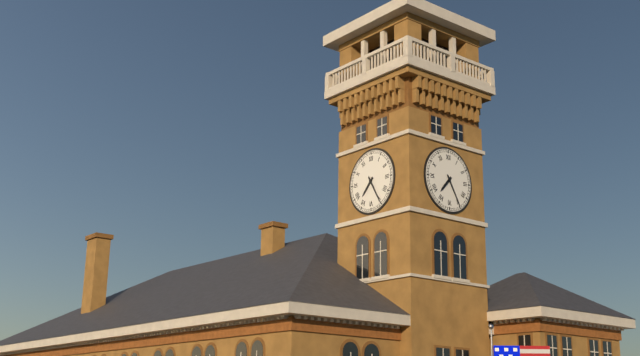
7:25
